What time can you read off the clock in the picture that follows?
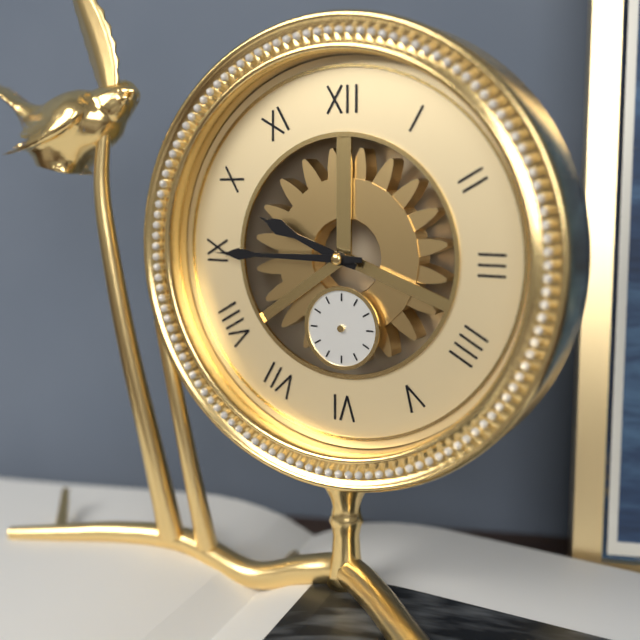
9:45
